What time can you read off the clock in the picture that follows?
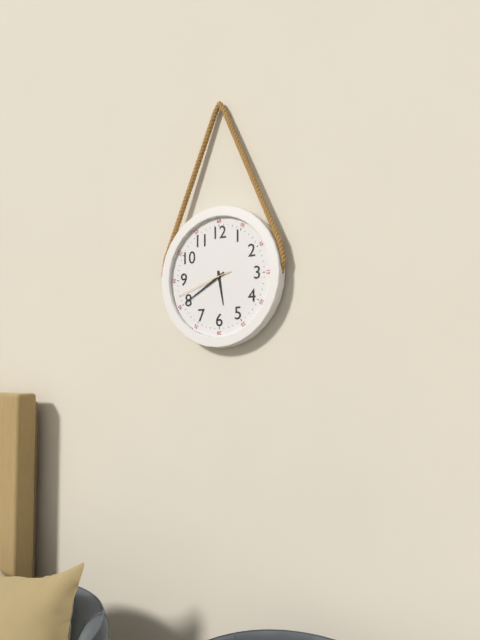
5:40:42
